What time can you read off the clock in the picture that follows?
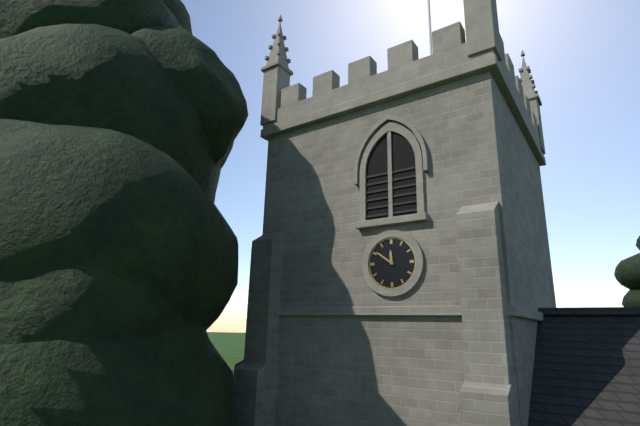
11:51
